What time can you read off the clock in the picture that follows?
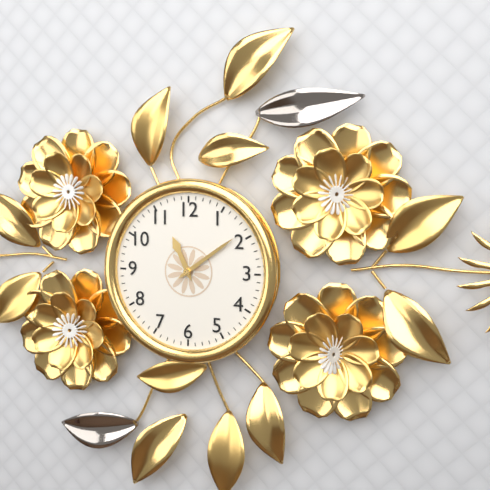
11:09
